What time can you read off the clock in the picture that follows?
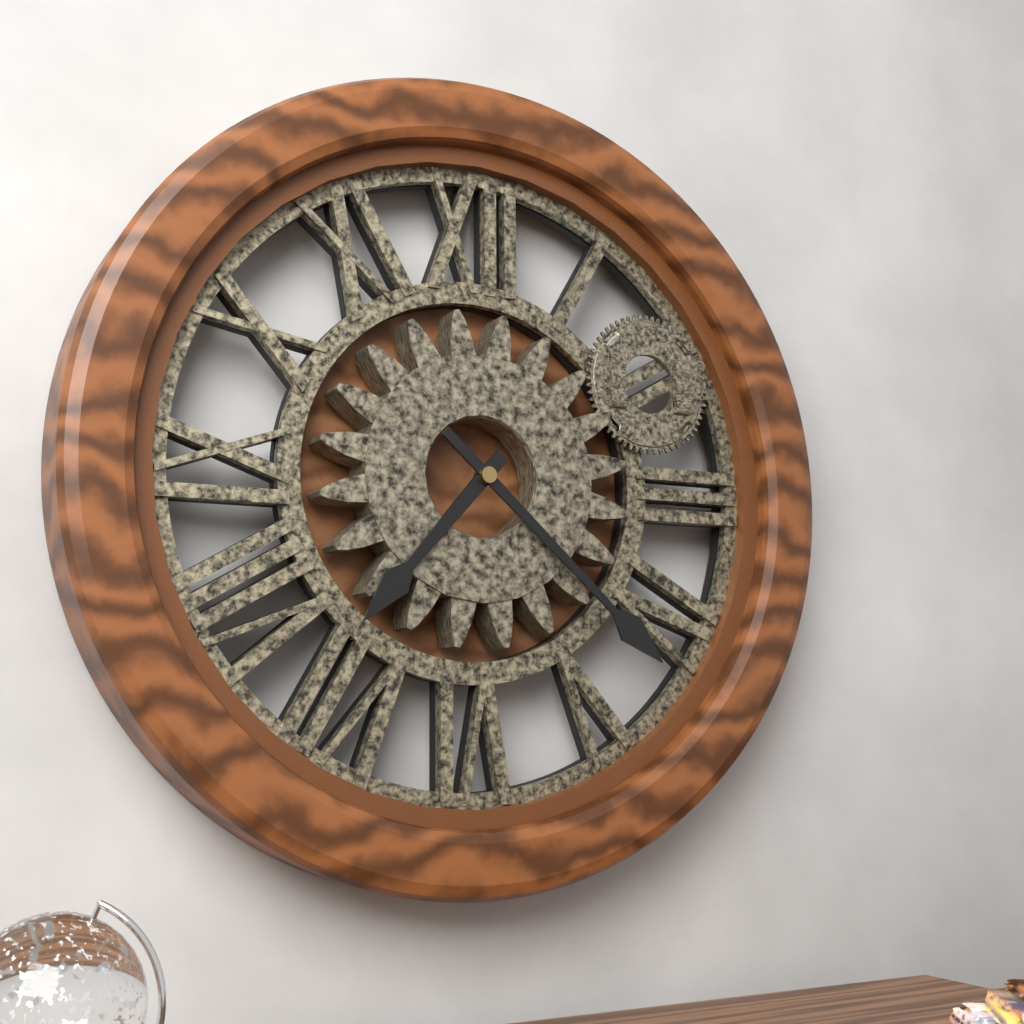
7:22
